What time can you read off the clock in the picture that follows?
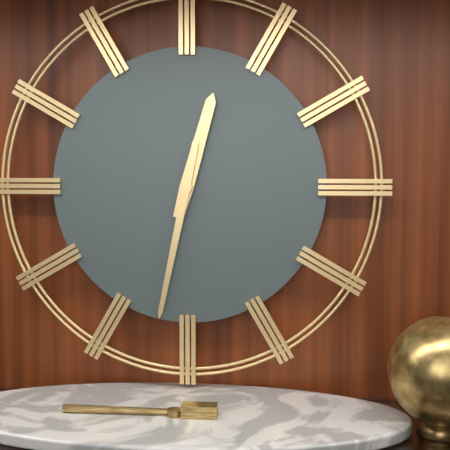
12:32
